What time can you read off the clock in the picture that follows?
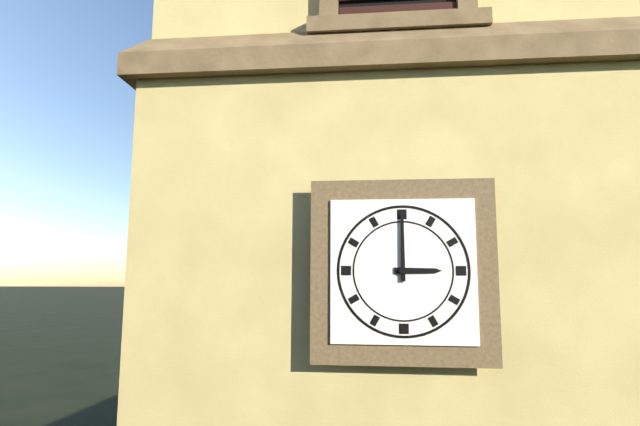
3:00
